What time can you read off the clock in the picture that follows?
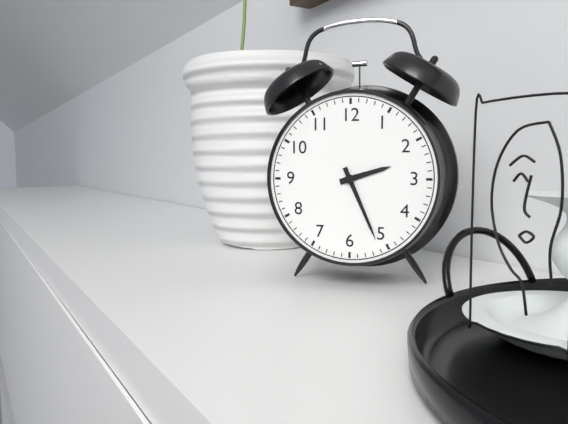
2:26
